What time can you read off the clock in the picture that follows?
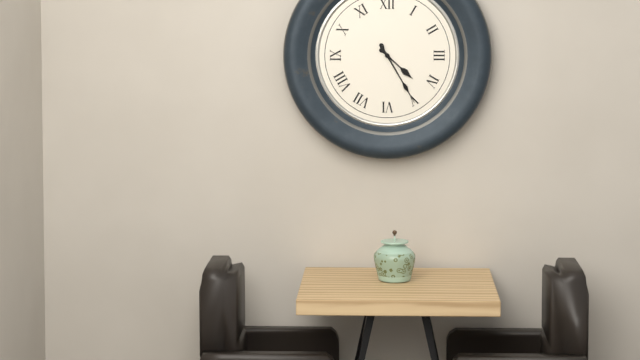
4:25
